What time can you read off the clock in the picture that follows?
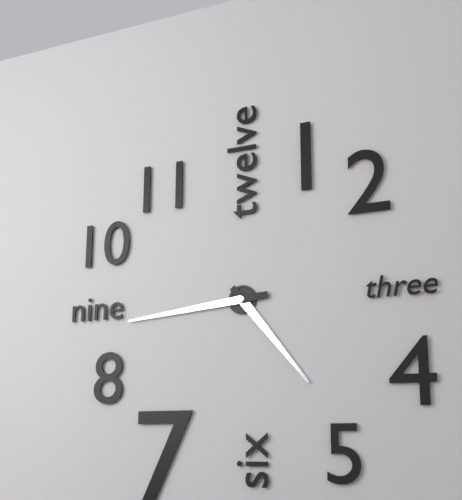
4:44
